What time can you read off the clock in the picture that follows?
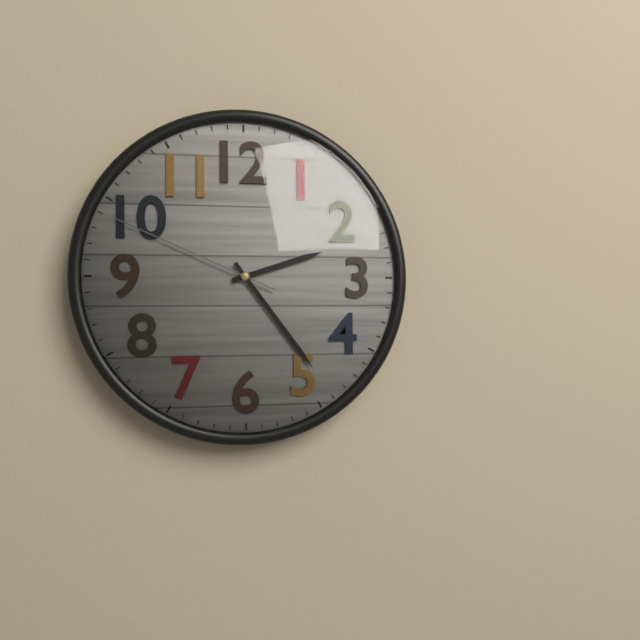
2:24:49
